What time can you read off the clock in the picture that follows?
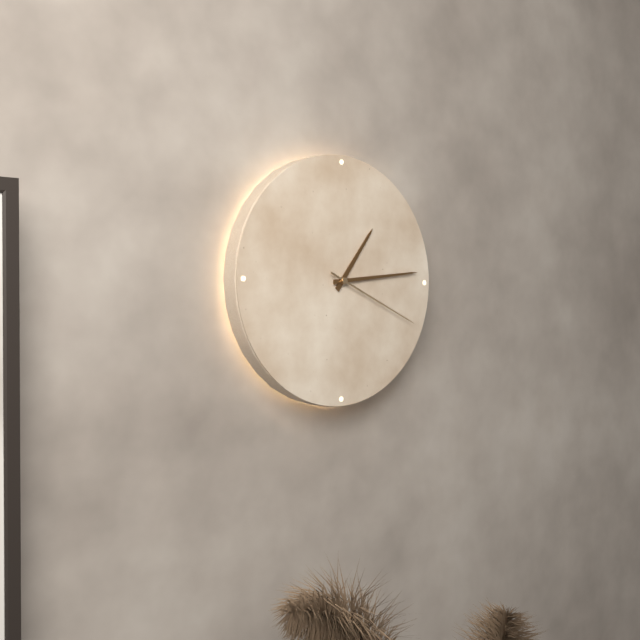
1:14:19
